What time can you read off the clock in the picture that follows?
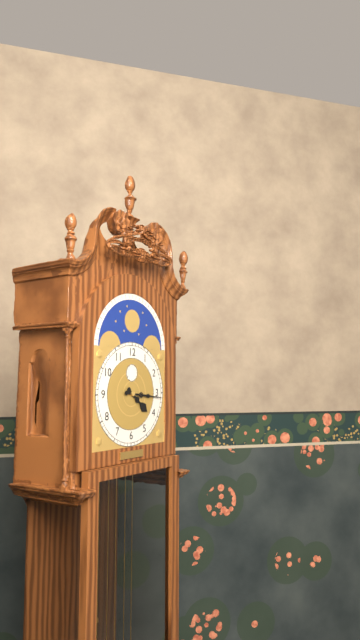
4:16
